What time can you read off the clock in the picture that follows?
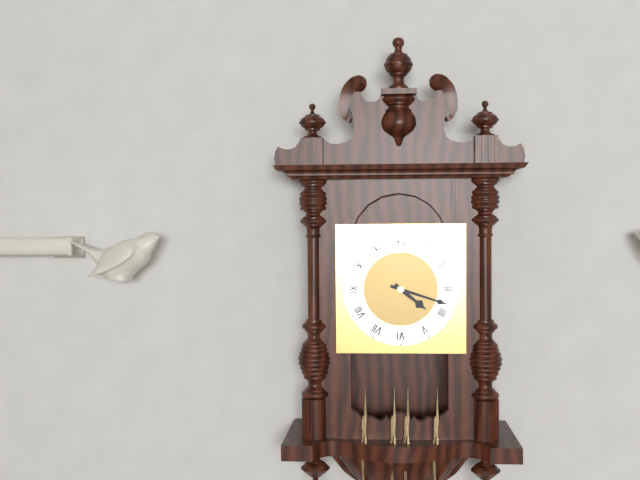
4:18
